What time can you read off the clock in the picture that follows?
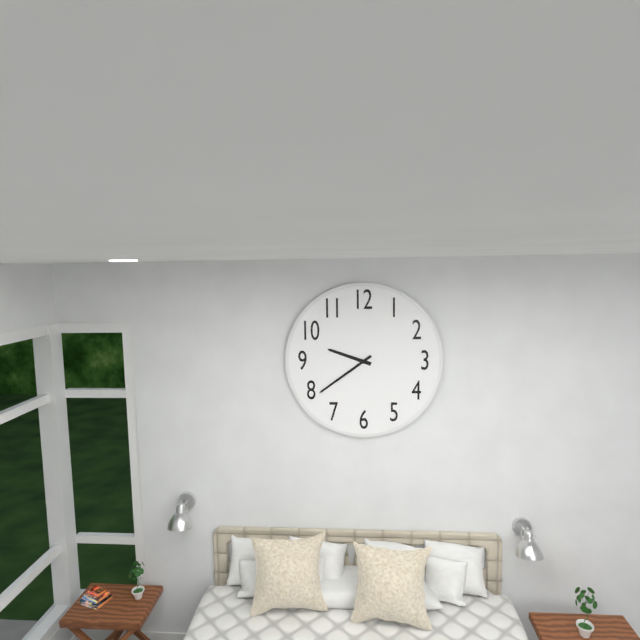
9:39
